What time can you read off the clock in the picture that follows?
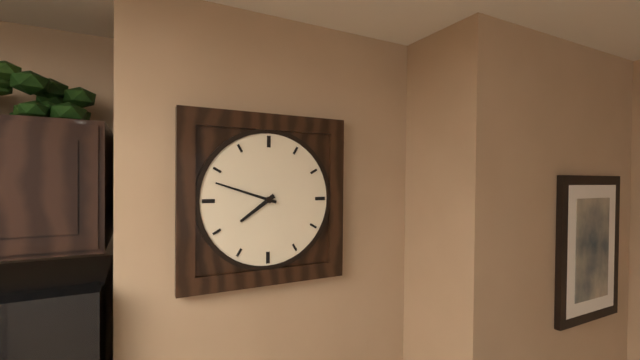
7:48
